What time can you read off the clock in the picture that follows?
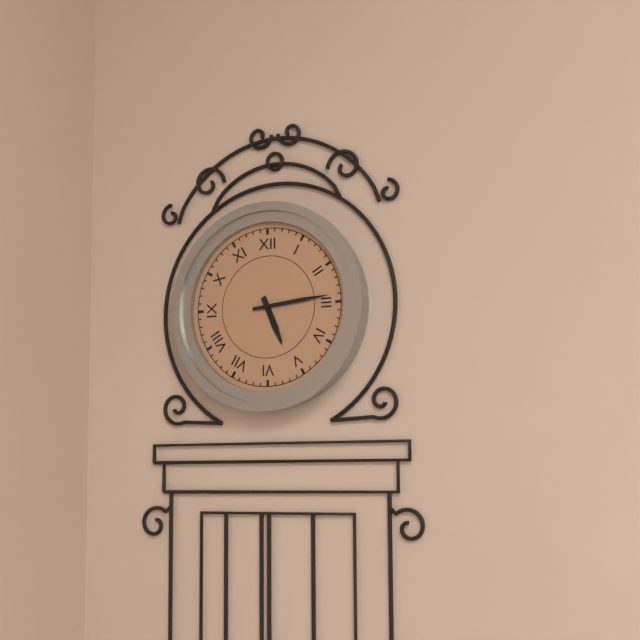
5:14
